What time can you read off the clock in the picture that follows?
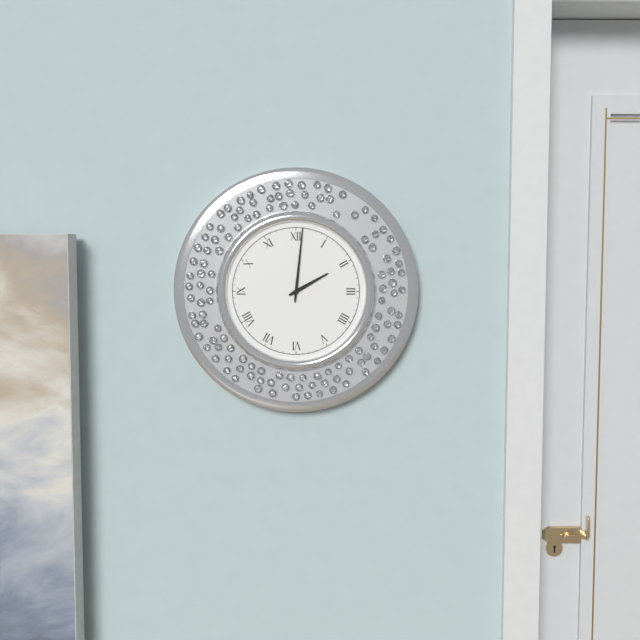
2:01
